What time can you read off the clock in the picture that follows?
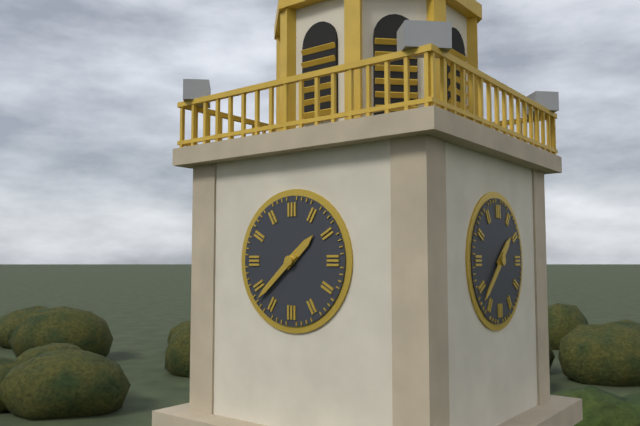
1:38
